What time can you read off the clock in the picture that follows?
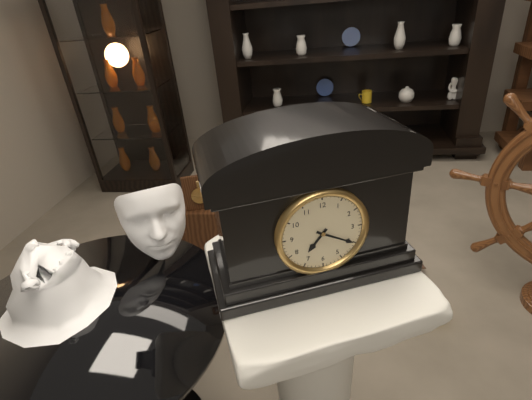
7:20
